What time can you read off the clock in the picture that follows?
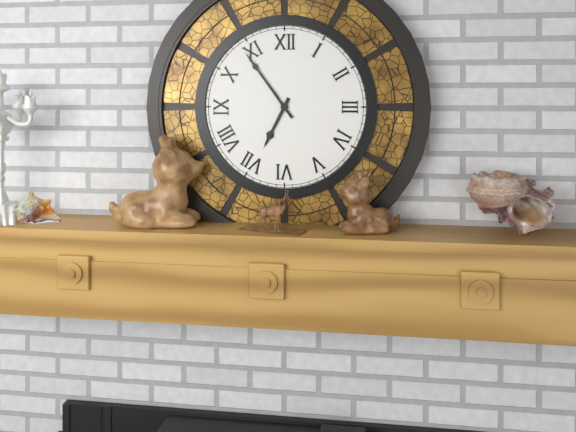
6:54
